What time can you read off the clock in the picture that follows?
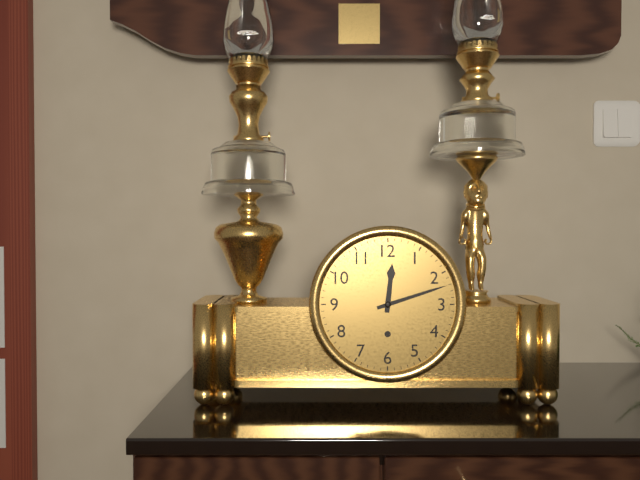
12:12
